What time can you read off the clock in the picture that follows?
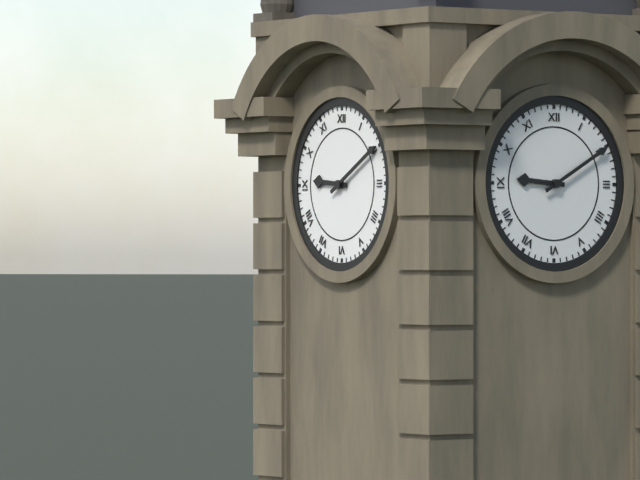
9:10
